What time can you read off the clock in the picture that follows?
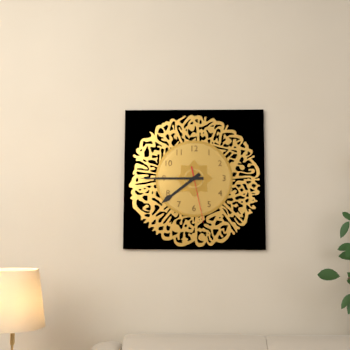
7:45:28
